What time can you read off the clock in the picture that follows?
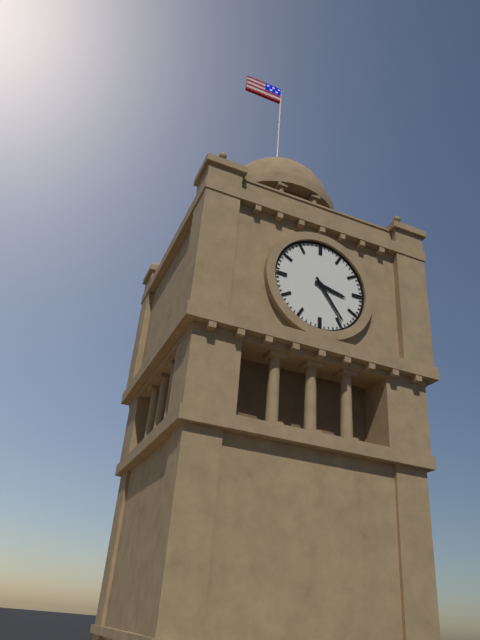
3:24
